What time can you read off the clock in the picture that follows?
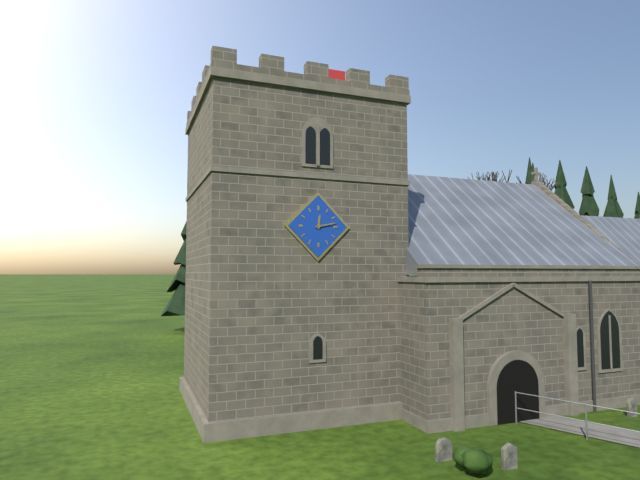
12:13
